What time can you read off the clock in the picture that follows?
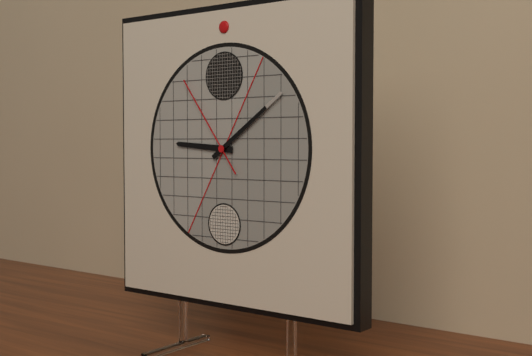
9:09:54
